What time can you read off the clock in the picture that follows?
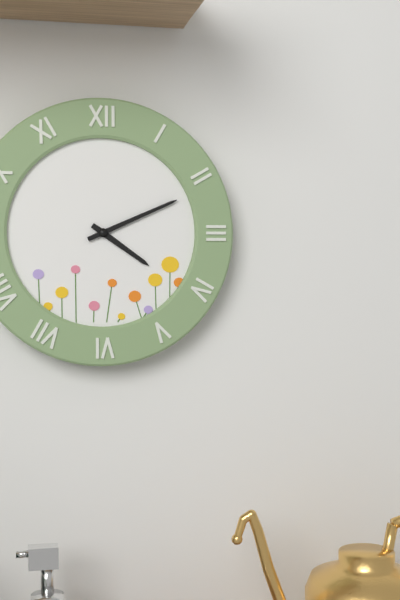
4:11
